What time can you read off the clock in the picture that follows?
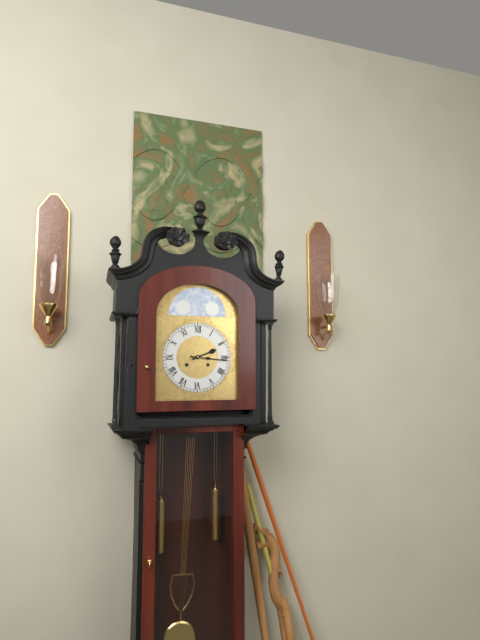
2:16
